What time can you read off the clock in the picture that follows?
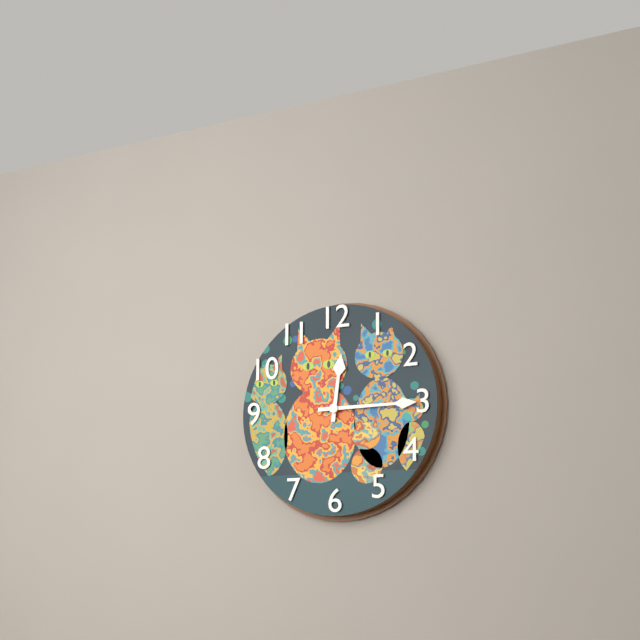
12:15
